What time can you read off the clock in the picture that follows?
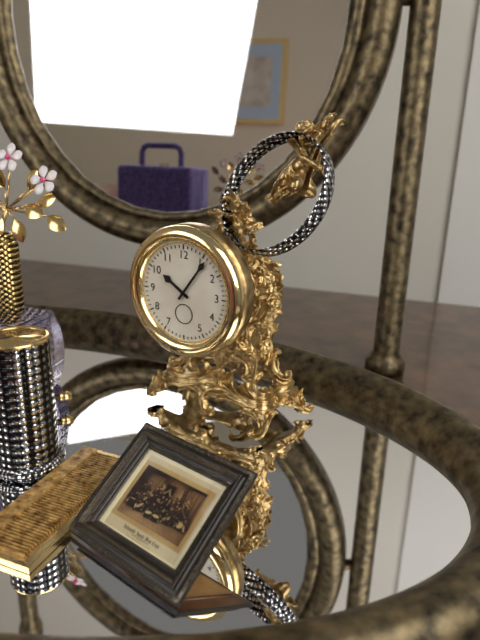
10:06
